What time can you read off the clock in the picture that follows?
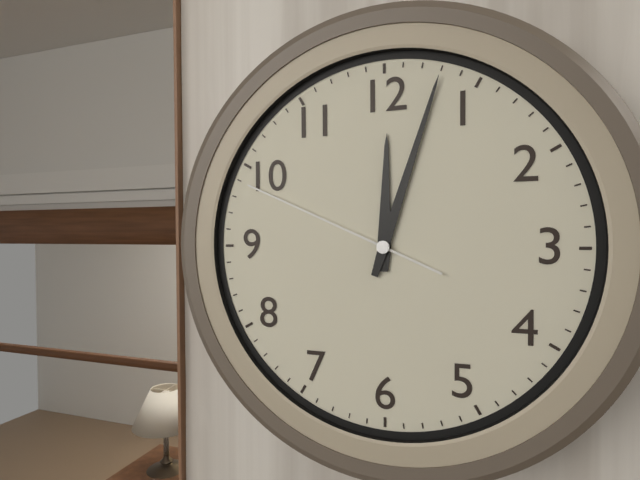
12:03:49
